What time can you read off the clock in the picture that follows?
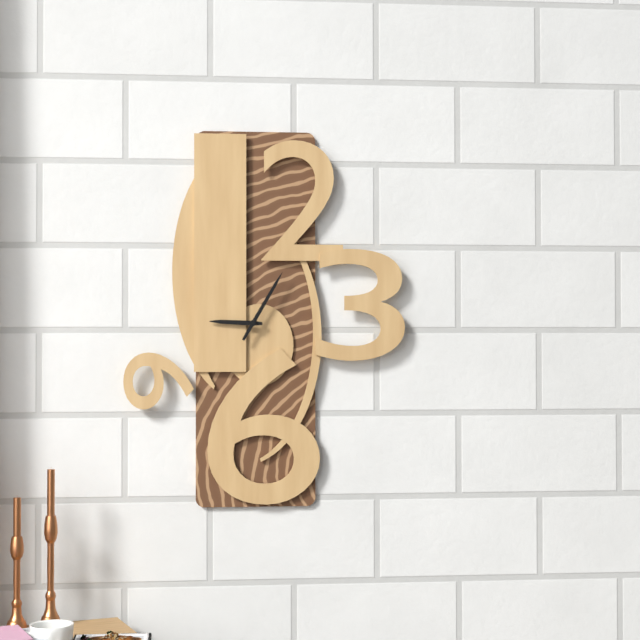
9:05
